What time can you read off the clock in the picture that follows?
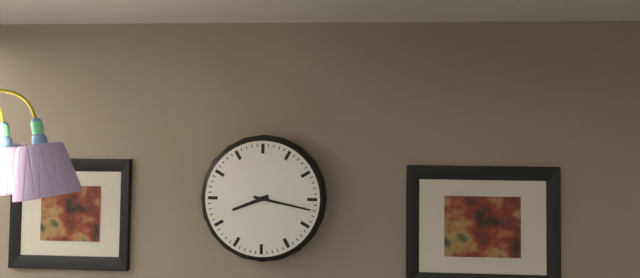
8:17
